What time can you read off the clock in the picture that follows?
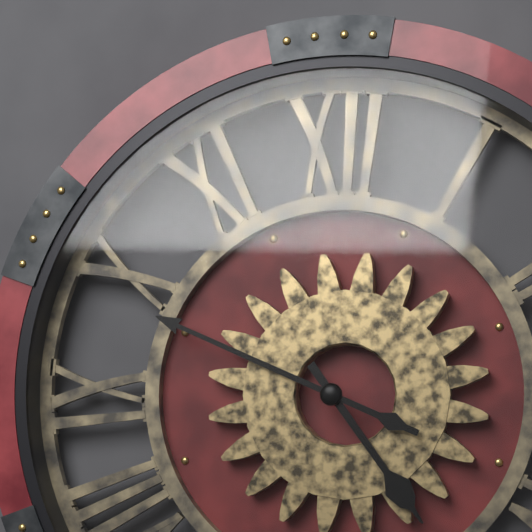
4:49
